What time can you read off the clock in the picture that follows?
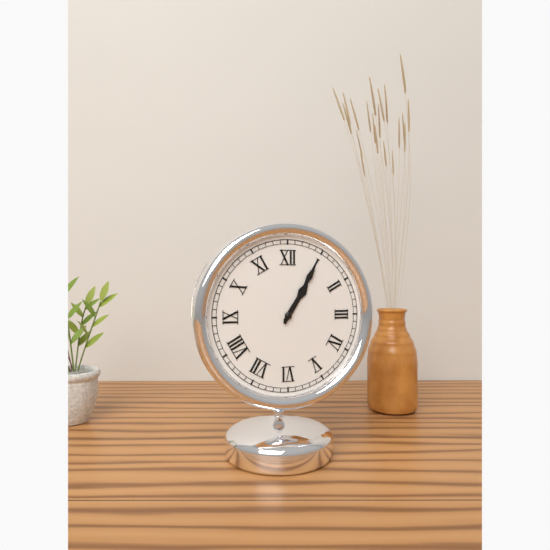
1:05
